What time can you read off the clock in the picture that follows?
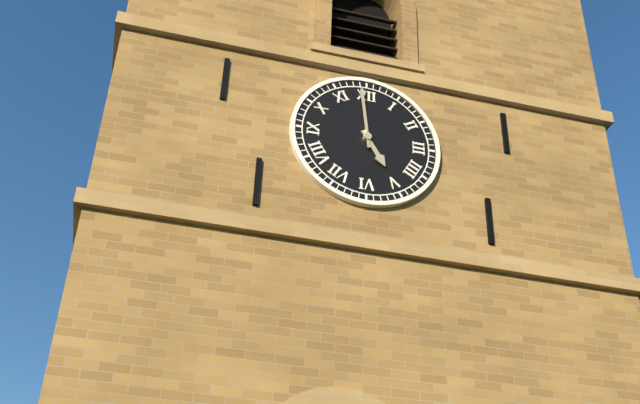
4:59
